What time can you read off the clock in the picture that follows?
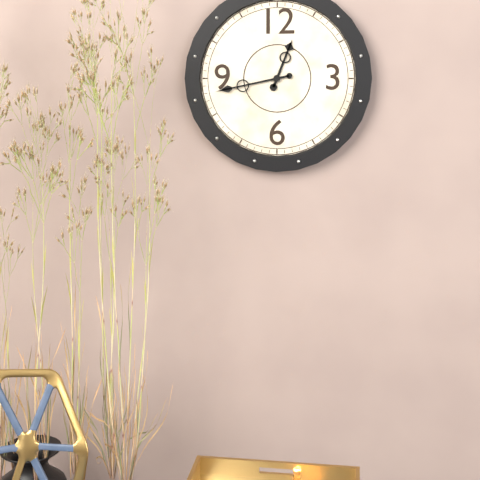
12:43
